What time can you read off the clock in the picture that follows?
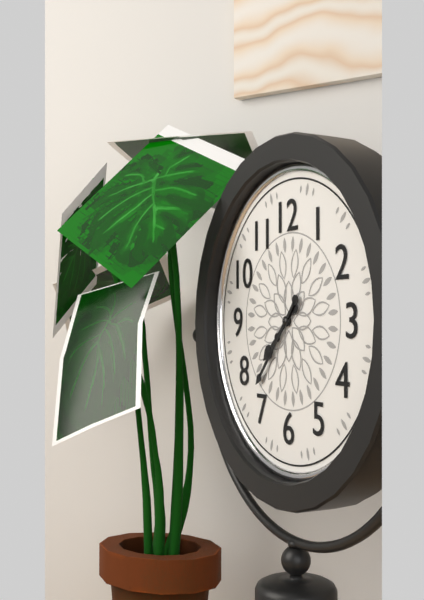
7:37
